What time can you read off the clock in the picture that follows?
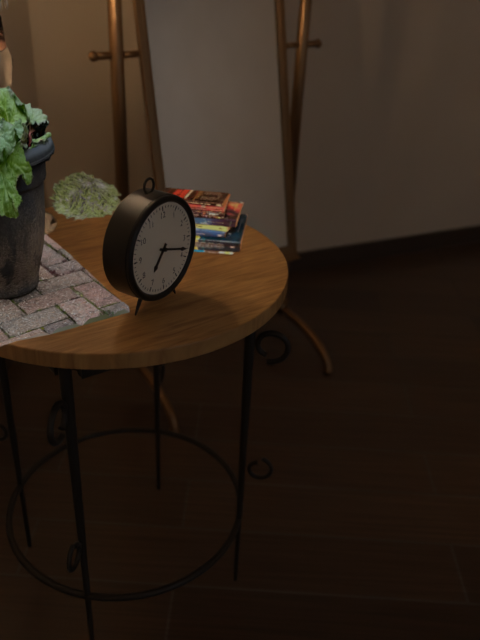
7:18
